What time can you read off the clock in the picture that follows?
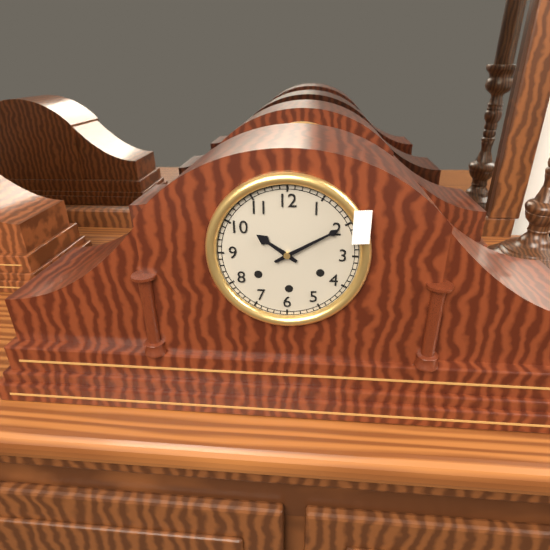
10:10
